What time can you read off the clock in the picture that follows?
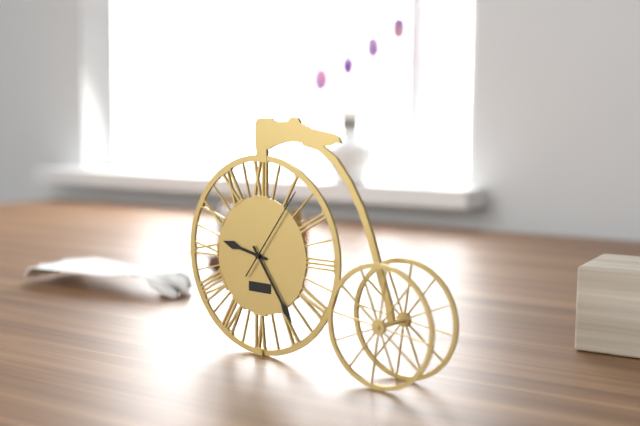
9:24:06
